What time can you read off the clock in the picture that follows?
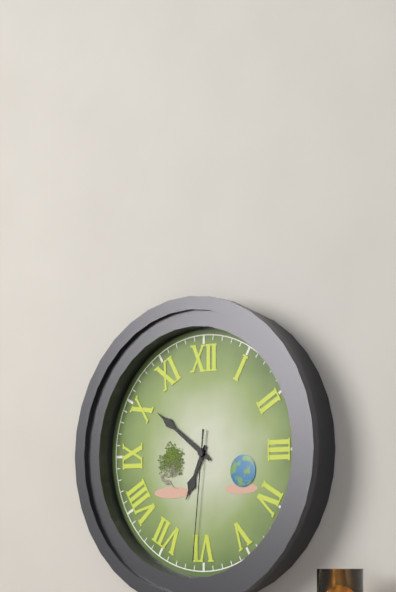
6:51:31
